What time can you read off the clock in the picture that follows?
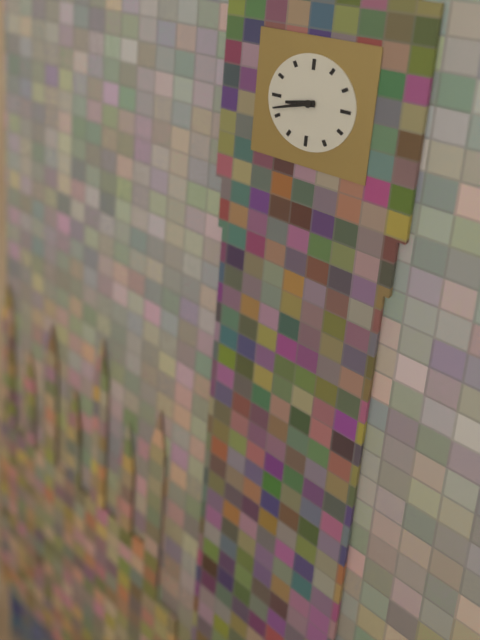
8:42
